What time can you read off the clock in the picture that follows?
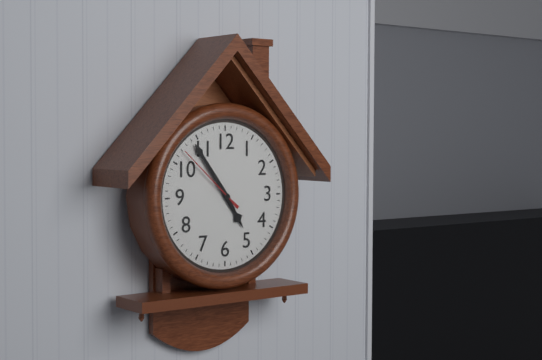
4:54:52
